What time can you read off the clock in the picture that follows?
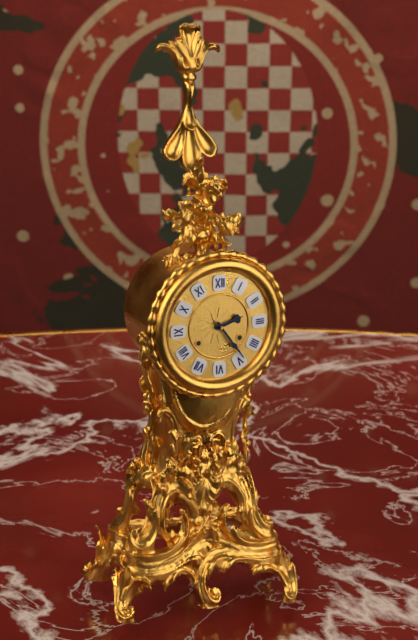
2:24
